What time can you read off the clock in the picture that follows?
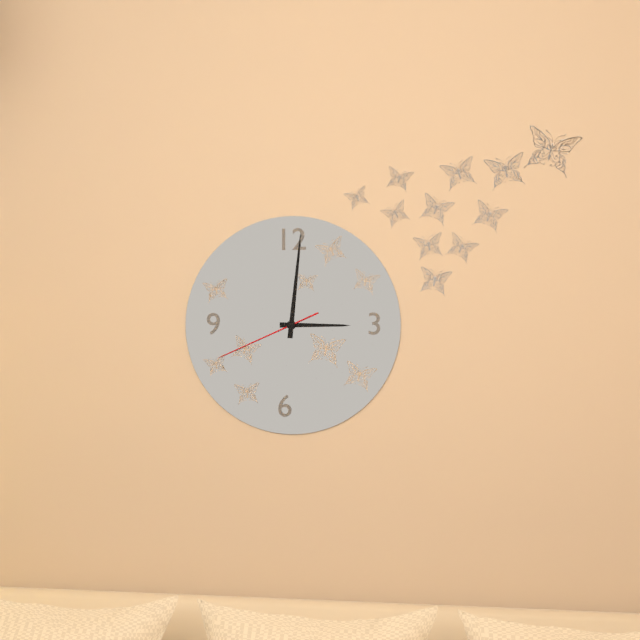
3:01:41
